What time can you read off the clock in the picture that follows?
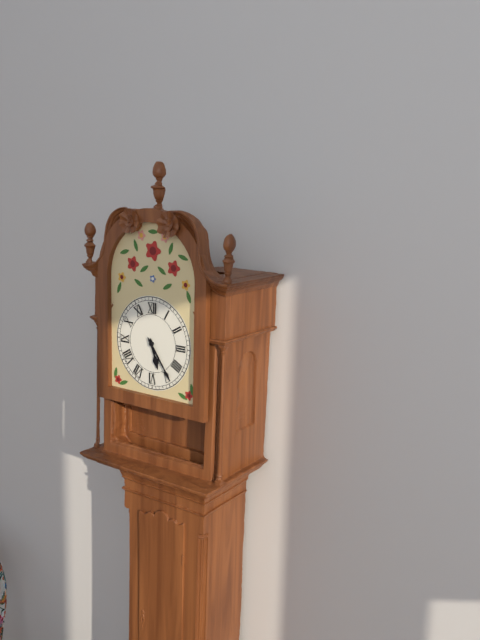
5:24
